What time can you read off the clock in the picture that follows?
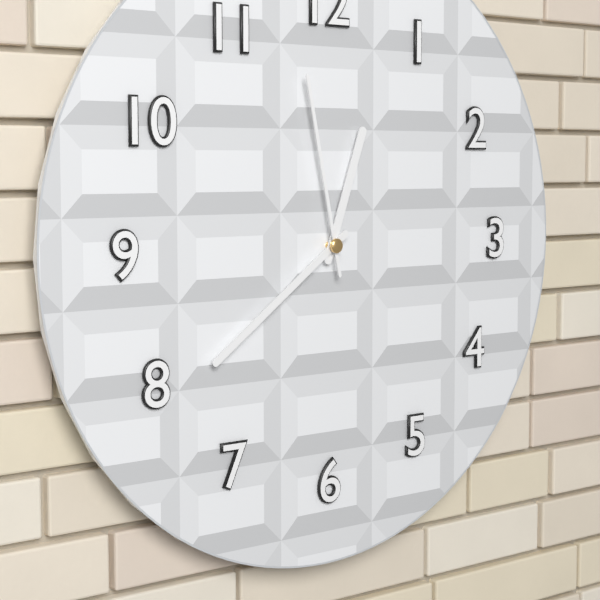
12:39:58
